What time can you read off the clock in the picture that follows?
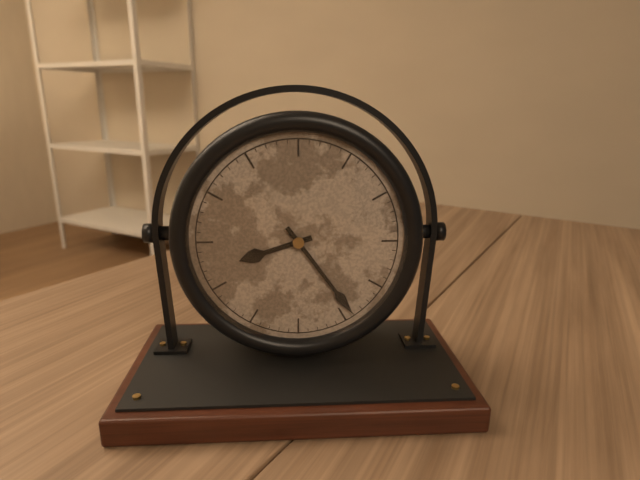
8:24
